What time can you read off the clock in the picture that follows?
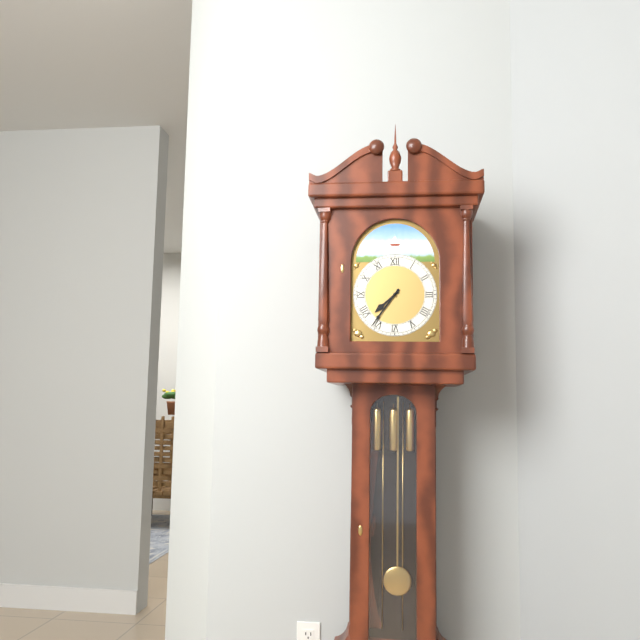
7:36
